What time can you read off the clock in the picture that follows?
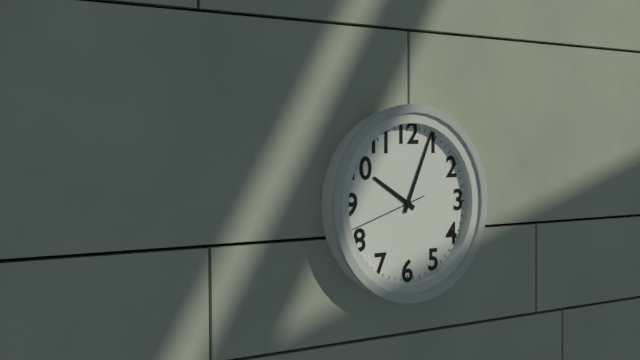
10:04:42
